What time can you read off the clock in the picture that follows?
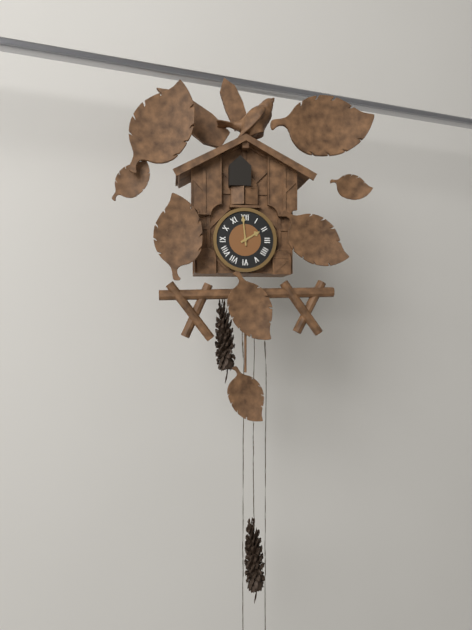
1:59
